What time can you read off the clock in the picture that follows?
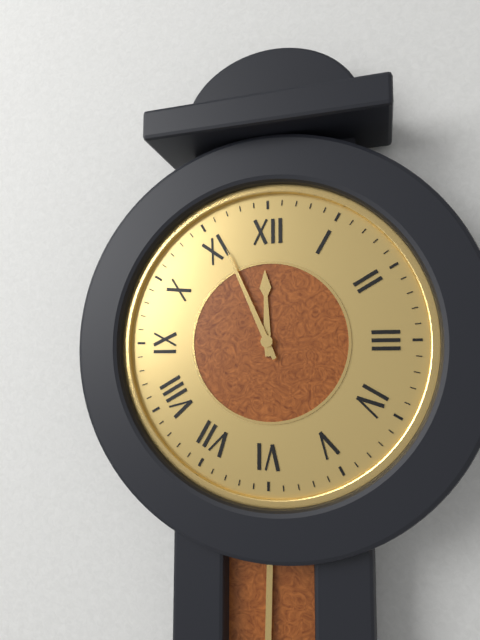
11:56
